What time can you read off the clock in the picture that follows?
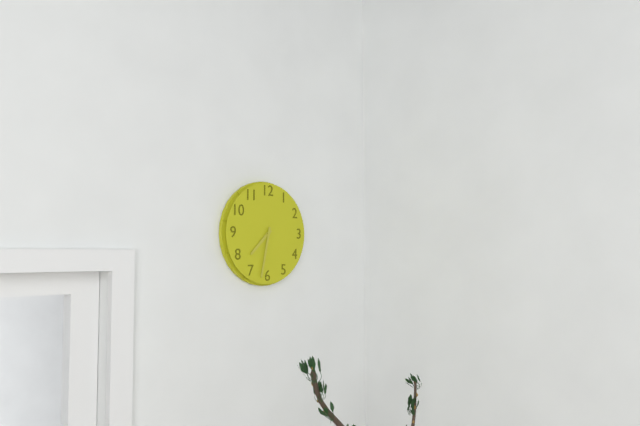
7:32
